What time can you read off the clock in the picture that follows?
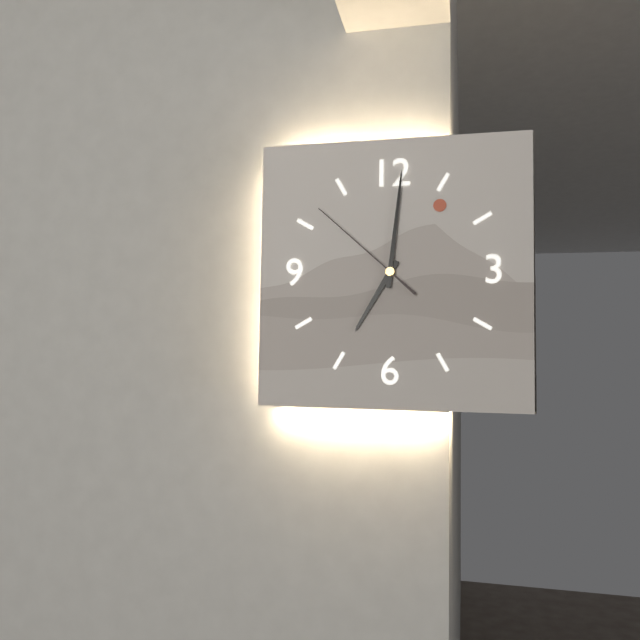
7:01:52
